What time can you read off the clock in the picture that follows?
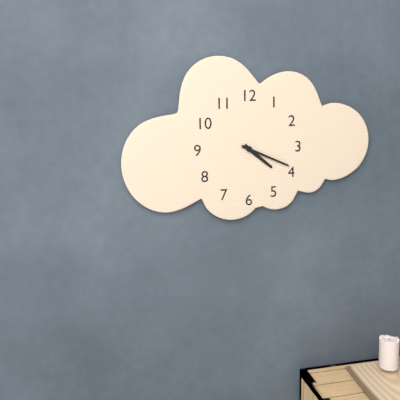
4:19
